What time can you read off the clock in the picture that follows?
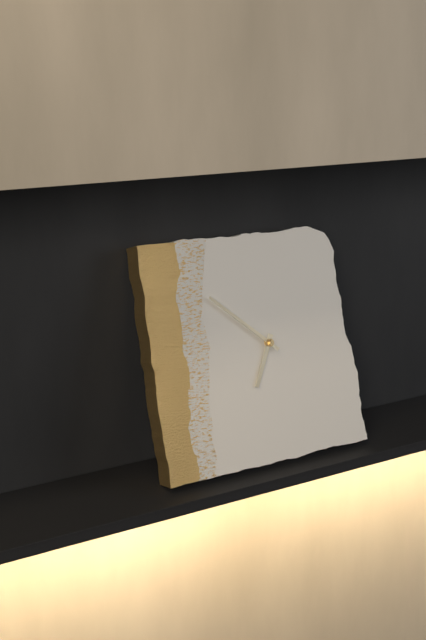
6:52
